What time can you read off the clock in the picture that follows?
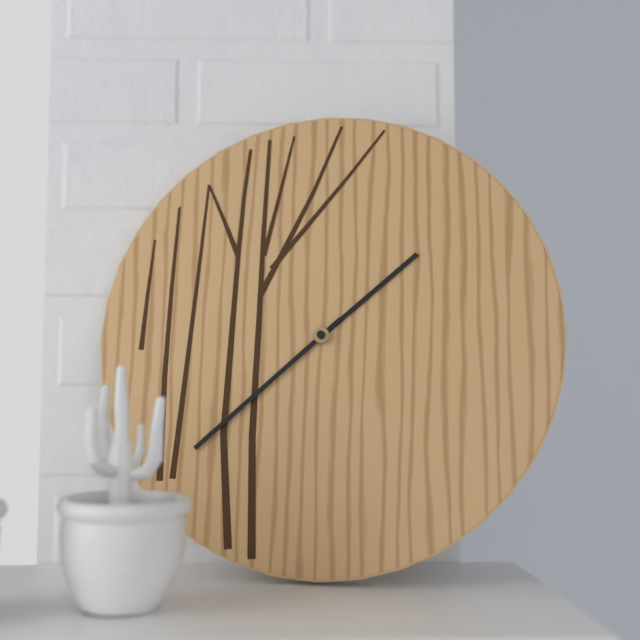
1:38
